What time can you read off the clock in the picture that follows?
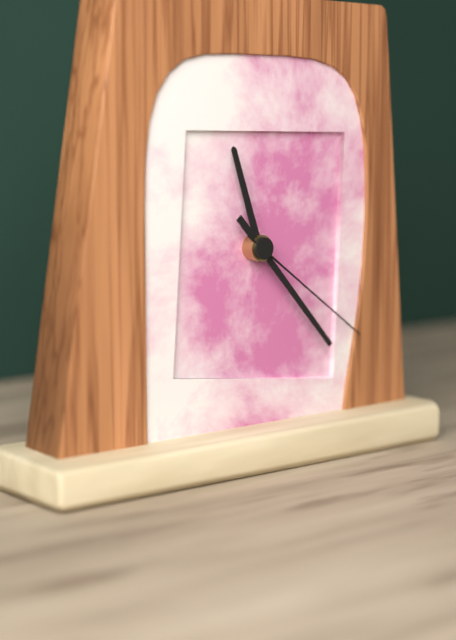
11:23:21
